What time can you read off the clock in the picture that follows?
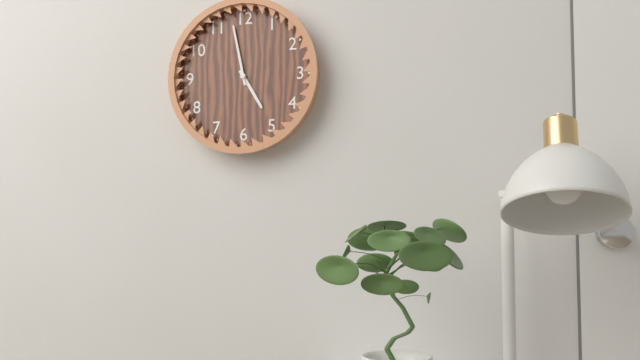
4:58
